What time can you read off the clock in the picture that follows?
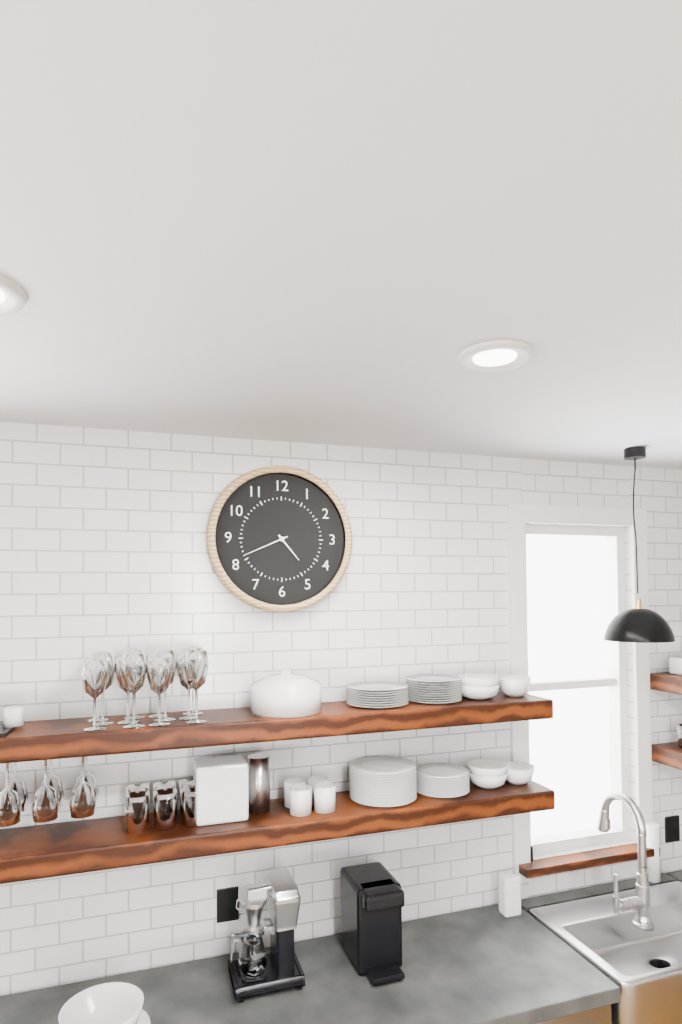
4:41
